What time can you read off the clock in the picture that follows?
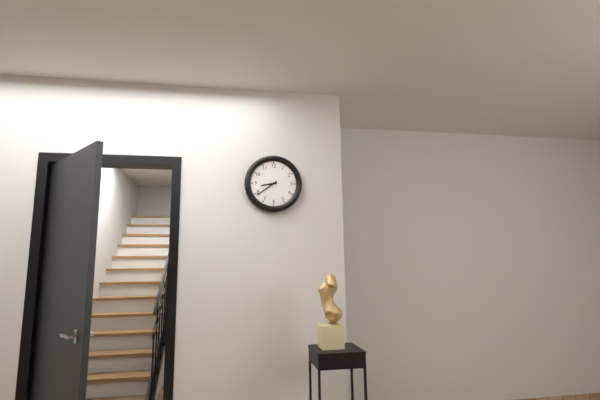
8:39
